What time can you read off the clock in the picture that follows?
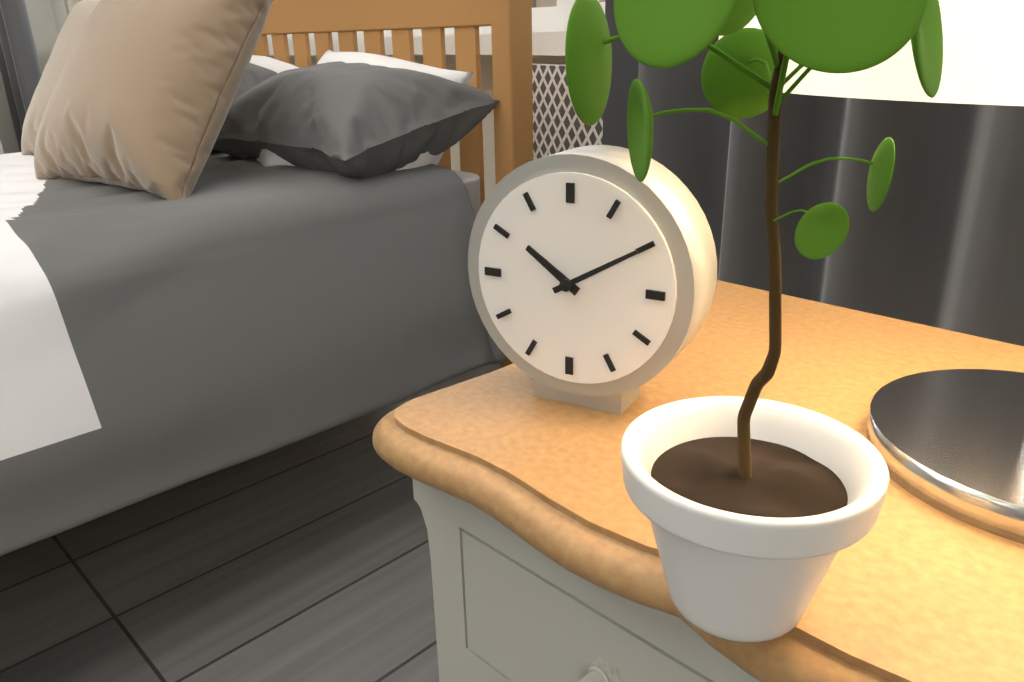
10:10
